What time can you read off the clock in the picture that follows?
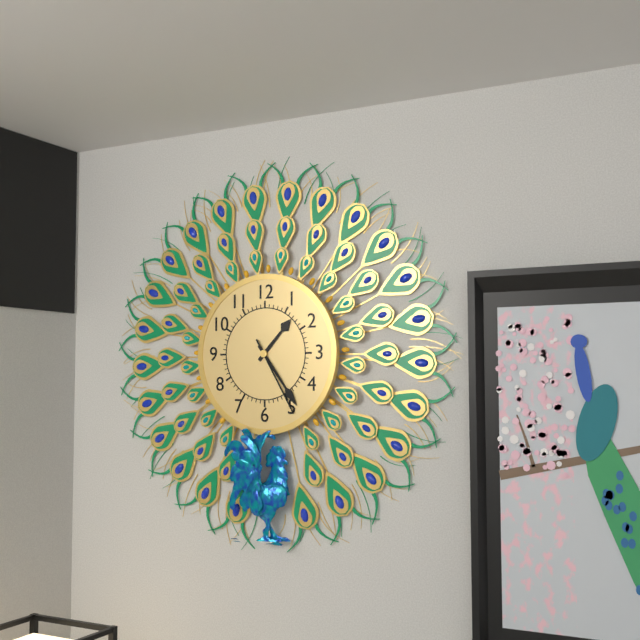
1:24:25
